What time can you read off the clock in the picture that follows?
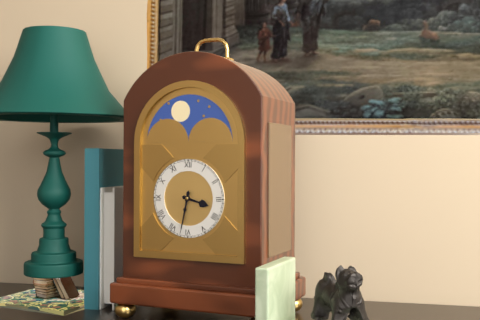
3:32
